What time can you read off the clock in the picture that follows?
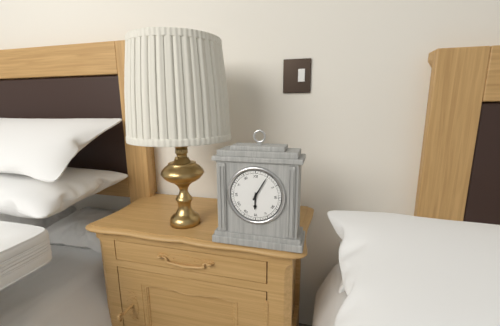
6:05
